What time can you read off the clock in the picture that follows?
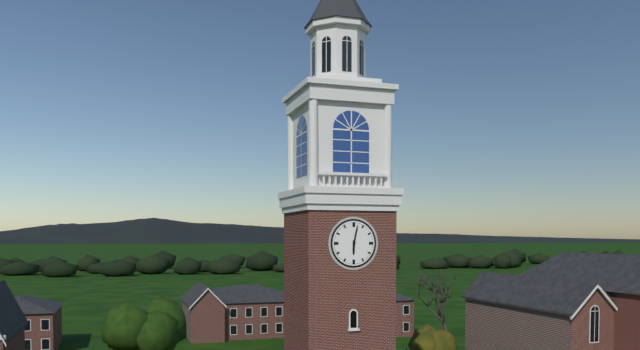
6:02
